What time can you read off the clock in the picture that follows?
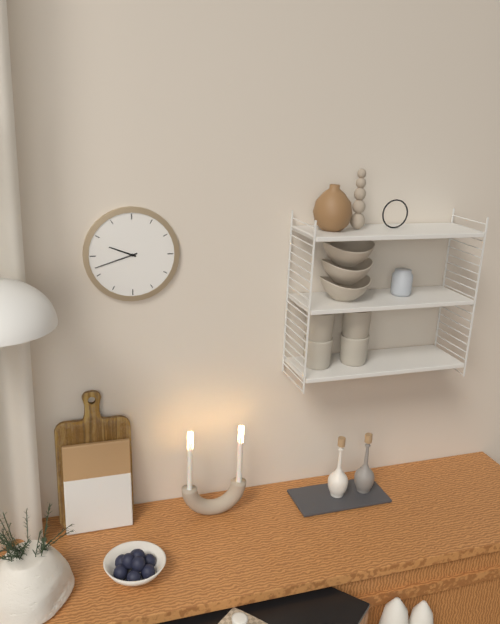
9:42
